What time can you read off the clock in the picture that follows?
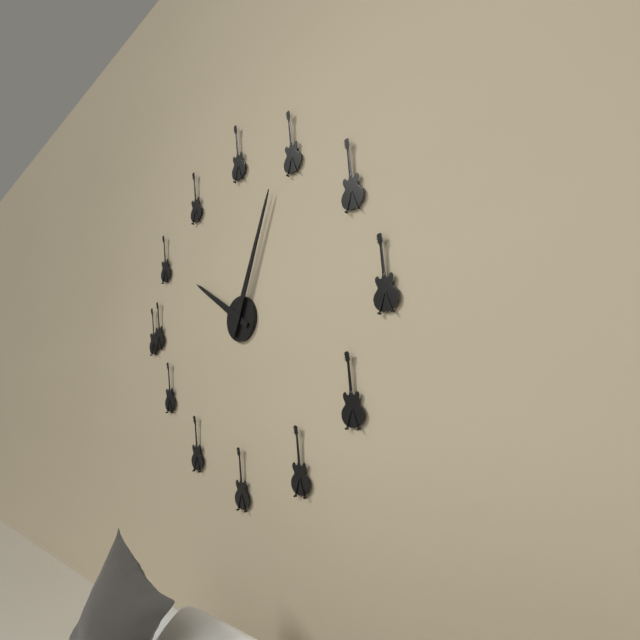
10:04
